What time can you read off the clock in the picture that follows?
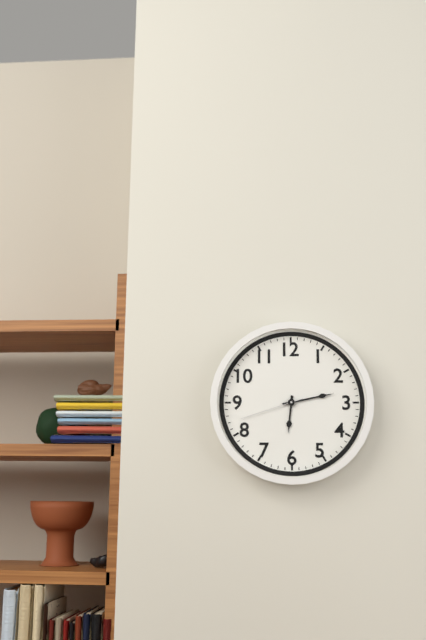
6:13:42
